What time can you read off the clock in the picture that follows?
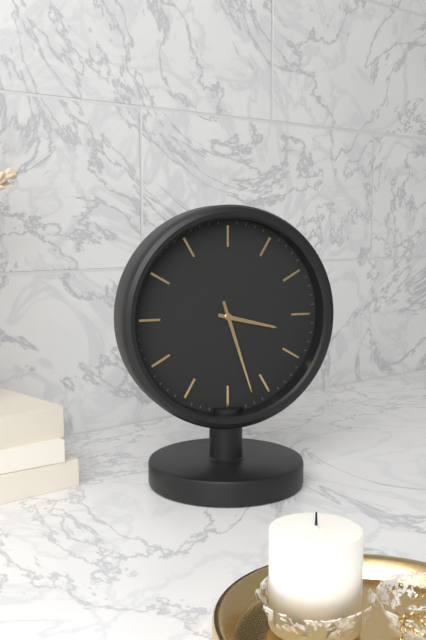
3:27
